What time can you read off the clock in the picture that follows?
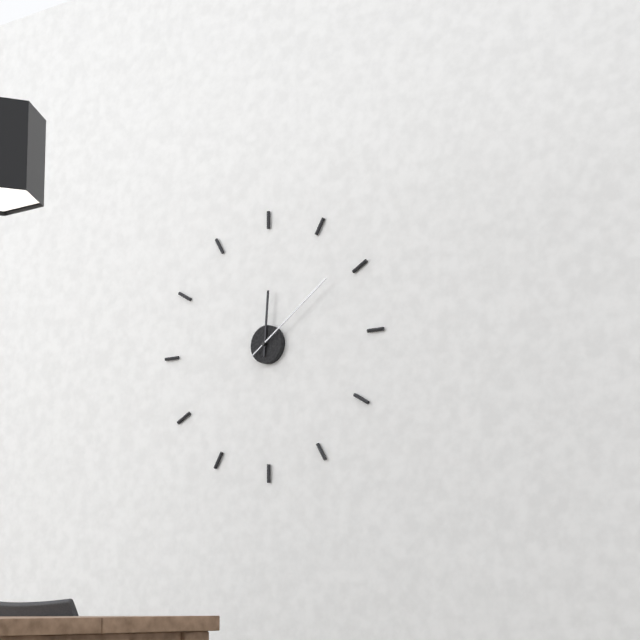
12:09
